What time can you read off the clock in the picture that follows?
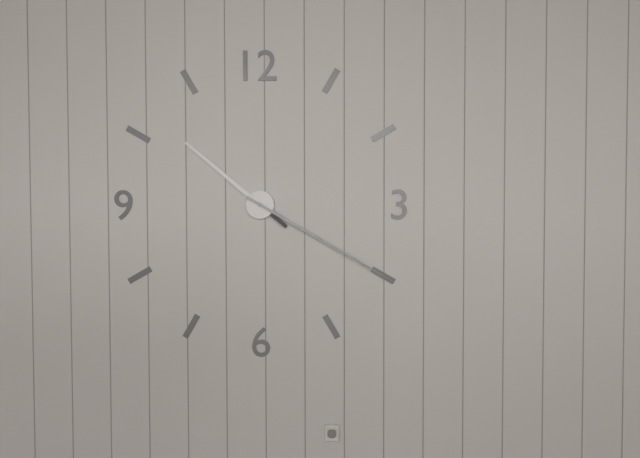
10:20
